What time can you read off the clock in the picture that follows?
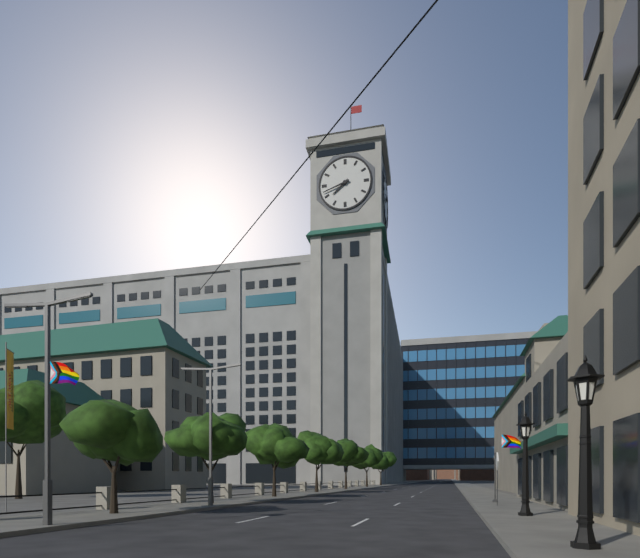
7:42
